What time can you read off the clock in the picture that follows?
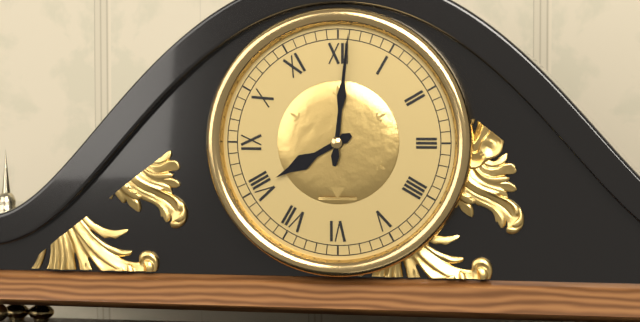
8:01
